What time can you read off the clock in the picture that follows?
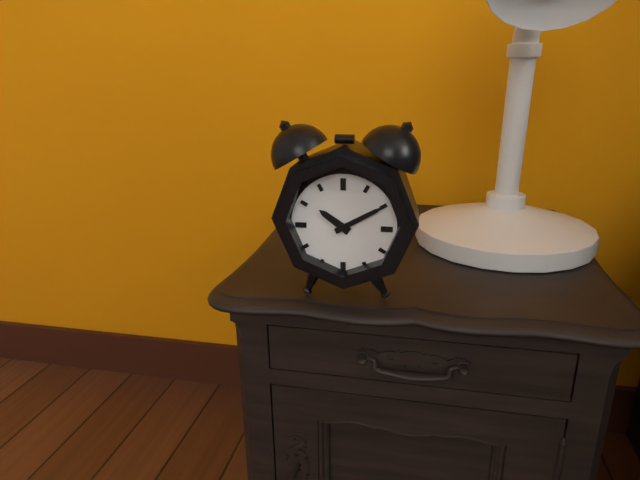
10:10
